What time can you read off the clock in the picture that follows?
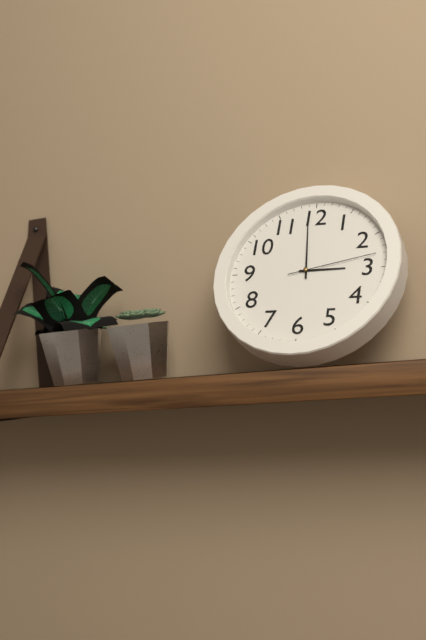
2:59:13
